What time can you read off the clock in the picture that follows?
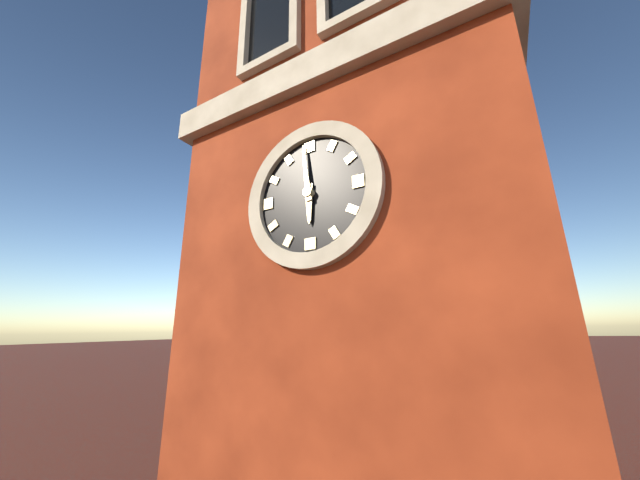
5:59
